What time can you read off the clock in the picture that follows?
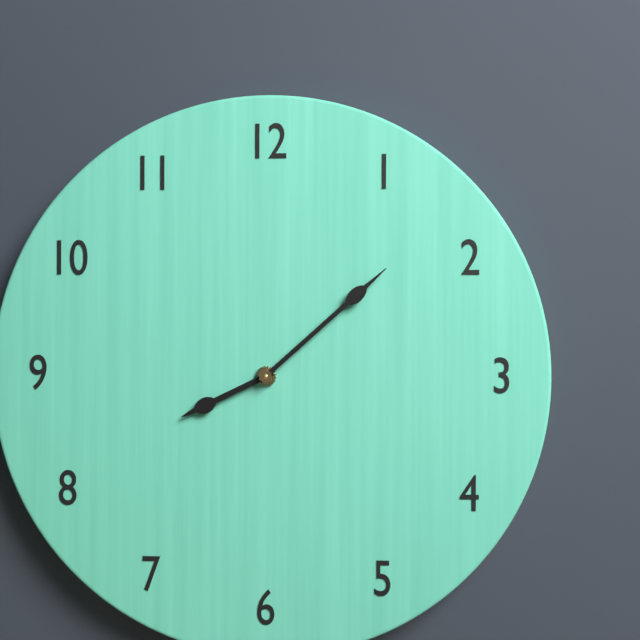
8:08
